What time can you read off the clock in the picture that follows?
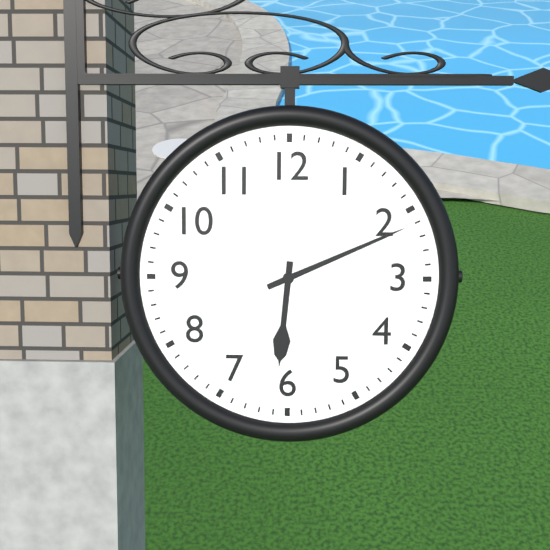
6:11
